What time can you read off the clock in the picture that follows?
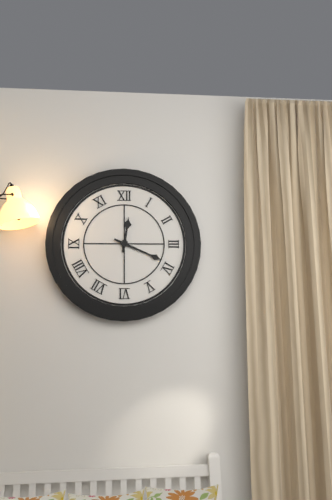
12:19
